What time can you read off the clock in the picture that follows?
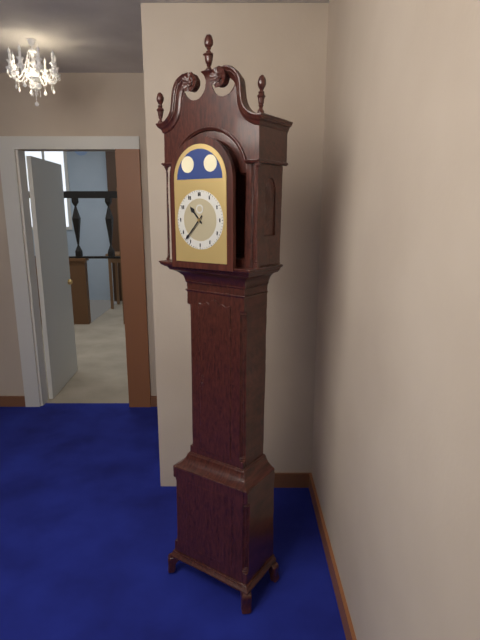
10:37
